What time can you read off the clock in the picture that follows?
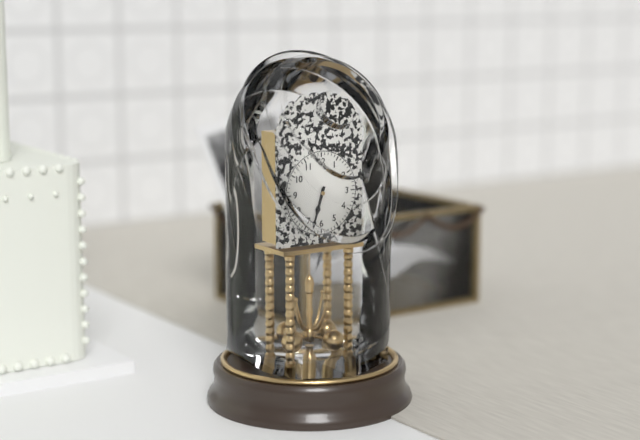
6:33
